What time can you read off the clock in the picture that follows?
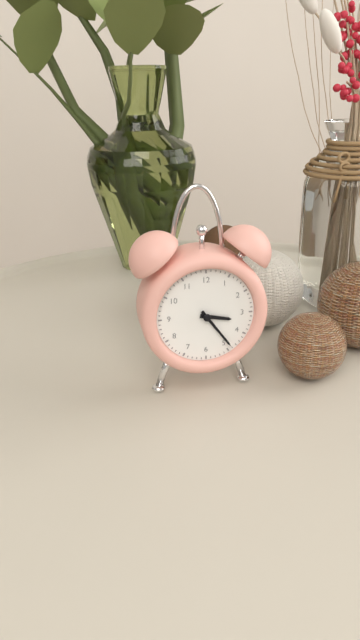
3:24
